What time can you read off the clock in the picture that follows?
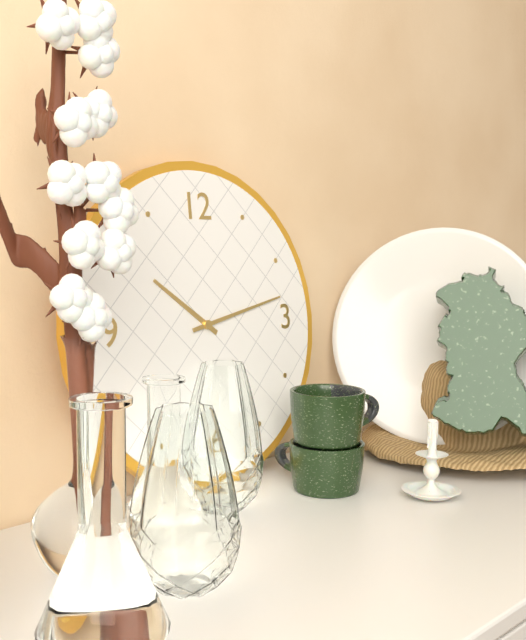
10:13
